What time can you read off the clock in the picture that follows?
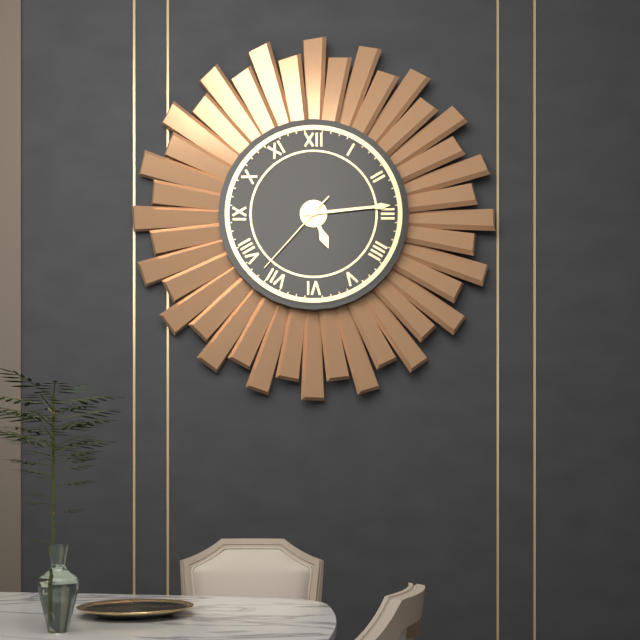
5:14:37
